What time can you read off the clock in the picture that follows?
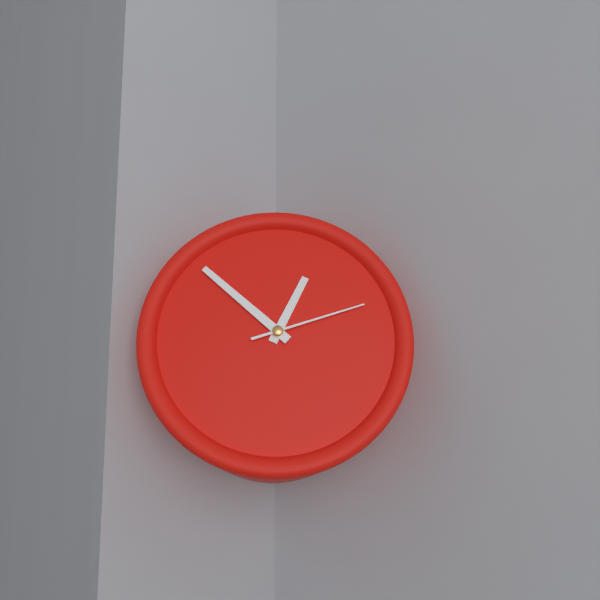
12:52:12
